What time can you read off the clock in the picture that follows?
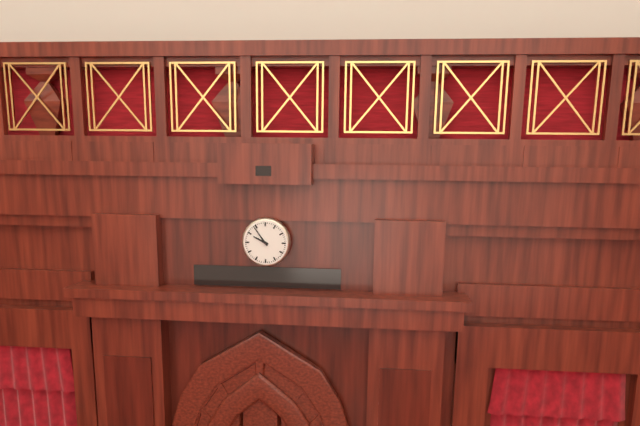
9:54
